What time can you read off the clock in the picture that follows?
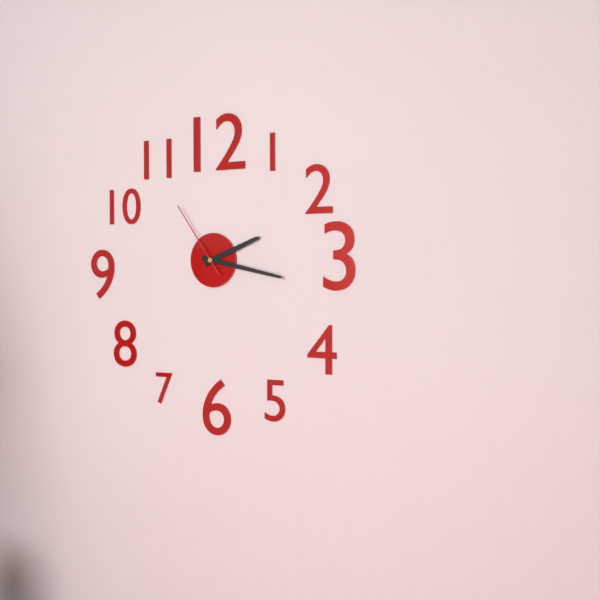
2:17:54
